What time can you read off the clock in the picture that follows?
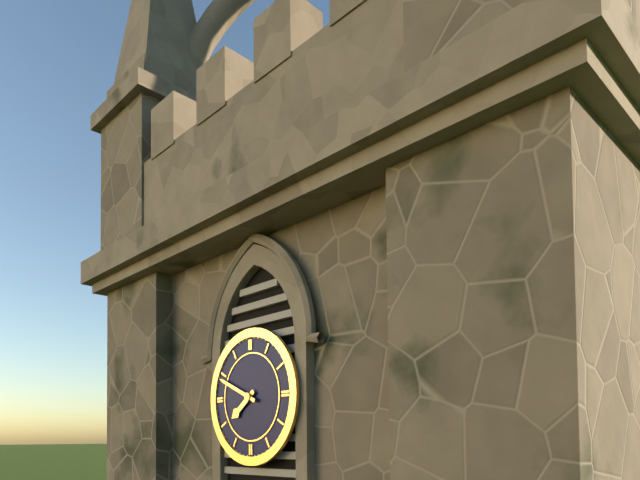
7:49
